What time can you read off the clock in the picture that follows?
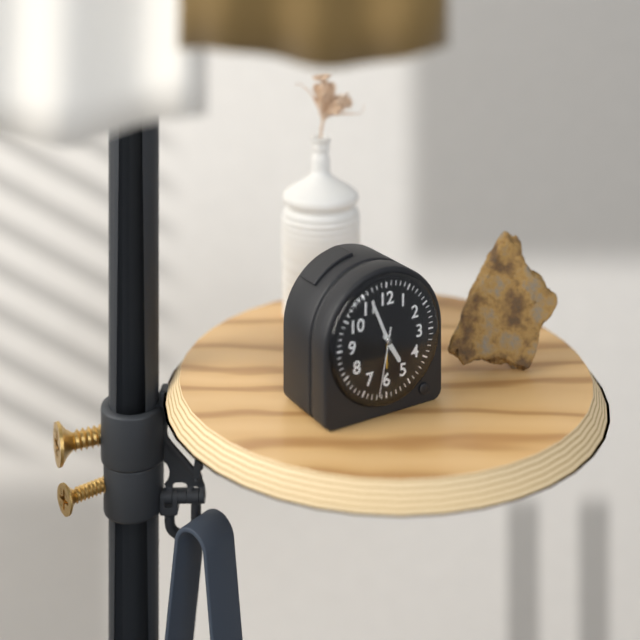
4:56:32
